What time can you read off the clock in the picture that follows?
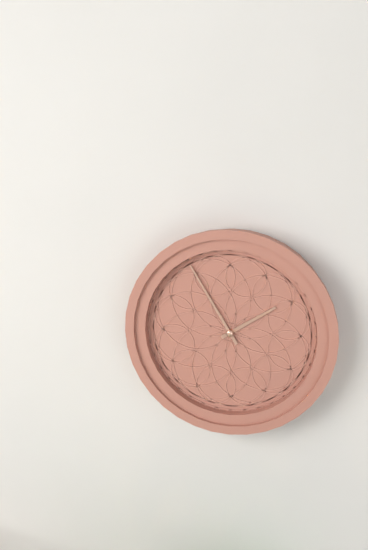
1:55
